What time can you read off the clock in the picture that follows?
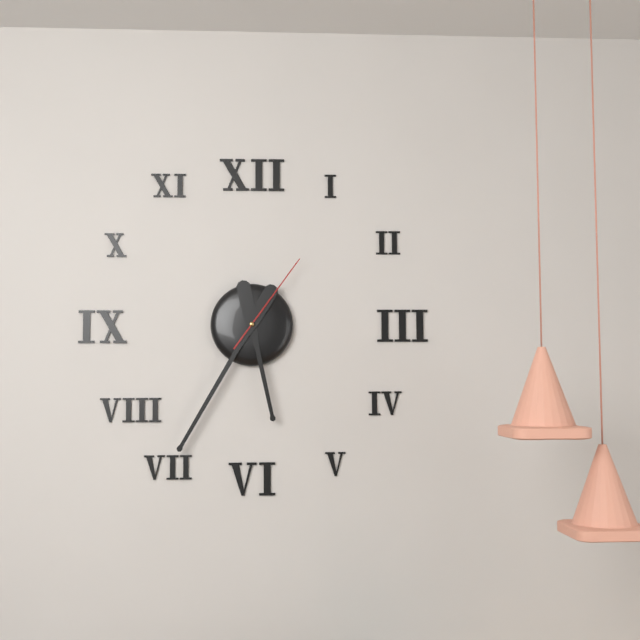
5:35:06
